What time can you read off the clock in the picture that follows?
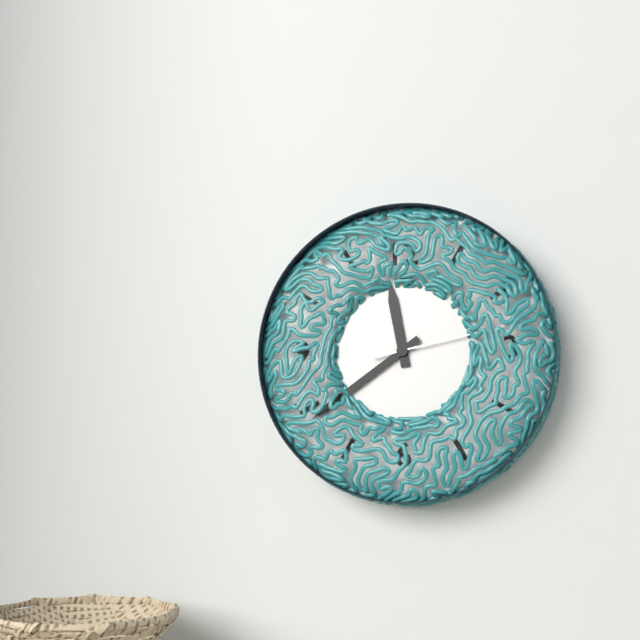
11:39:13
